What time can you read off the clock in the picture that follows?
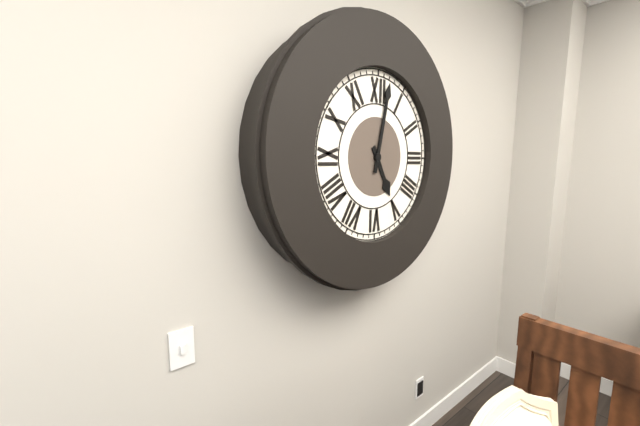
5:02
